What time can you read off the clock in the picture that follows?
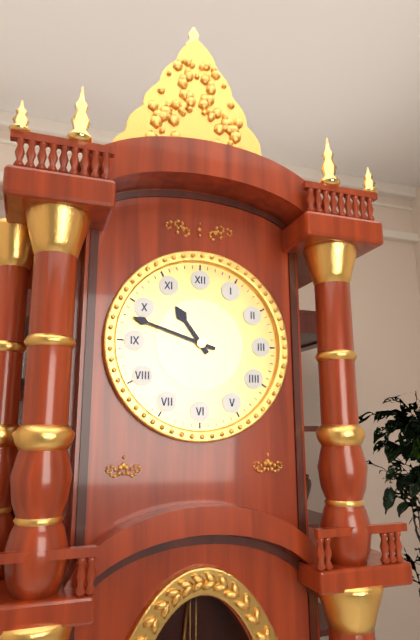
10:48
